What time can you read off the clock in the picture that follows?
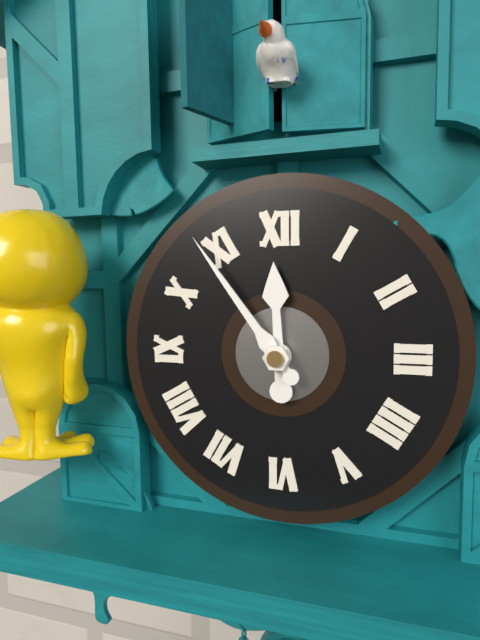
11:54
